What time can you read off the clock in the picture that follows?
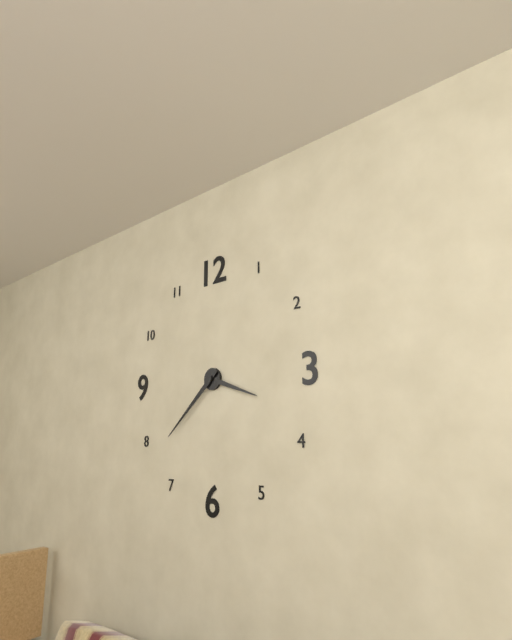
3:38
